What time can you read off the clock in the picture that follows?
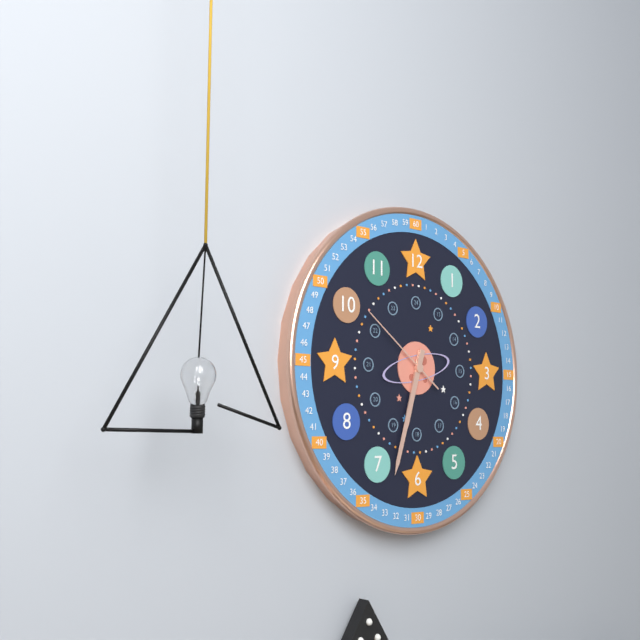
6:33:51
